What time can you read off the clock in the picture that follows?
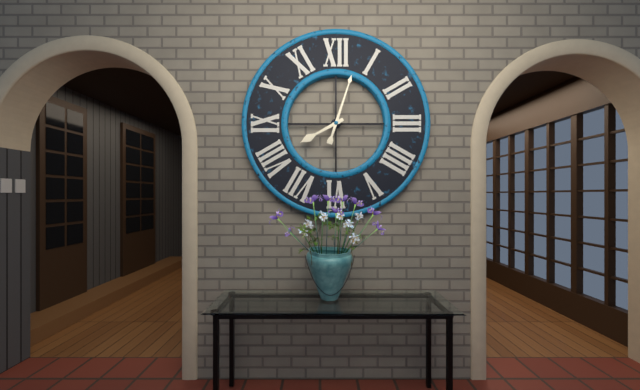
8:03
